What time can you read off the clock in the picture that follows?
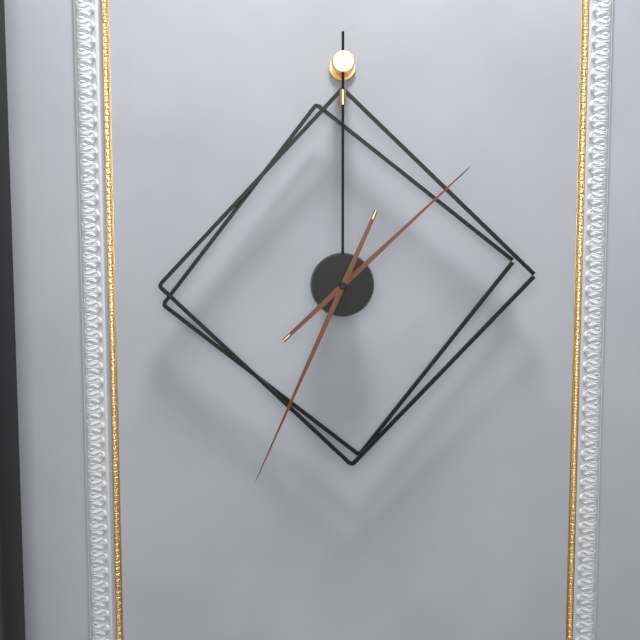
1:34
